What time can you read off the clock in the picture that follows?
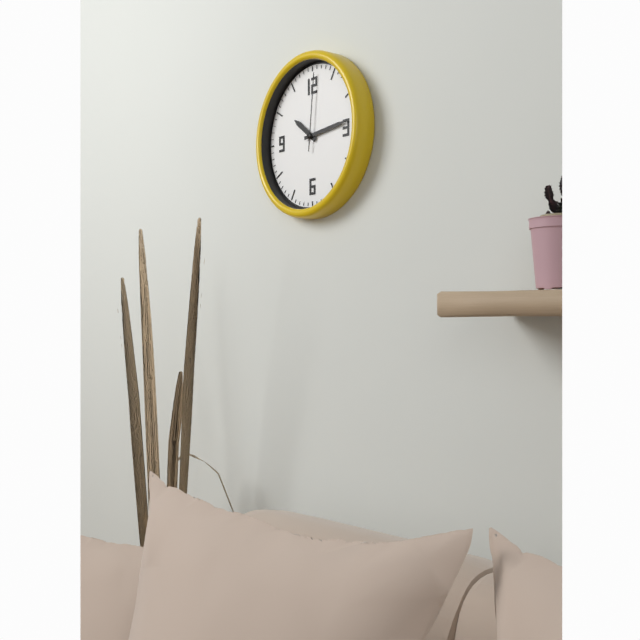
10:14:01
